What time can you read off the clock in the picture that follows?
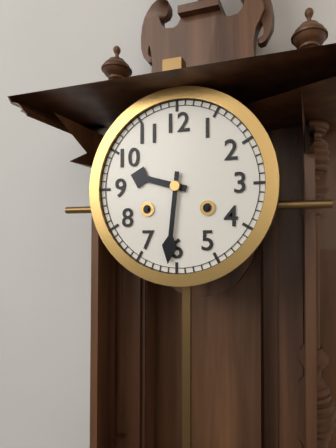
9:31
